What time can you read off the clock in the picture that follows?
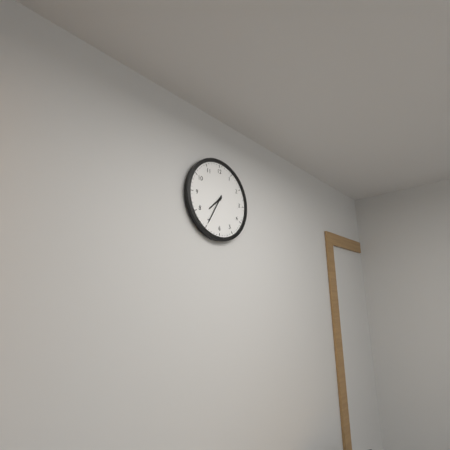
7:35
